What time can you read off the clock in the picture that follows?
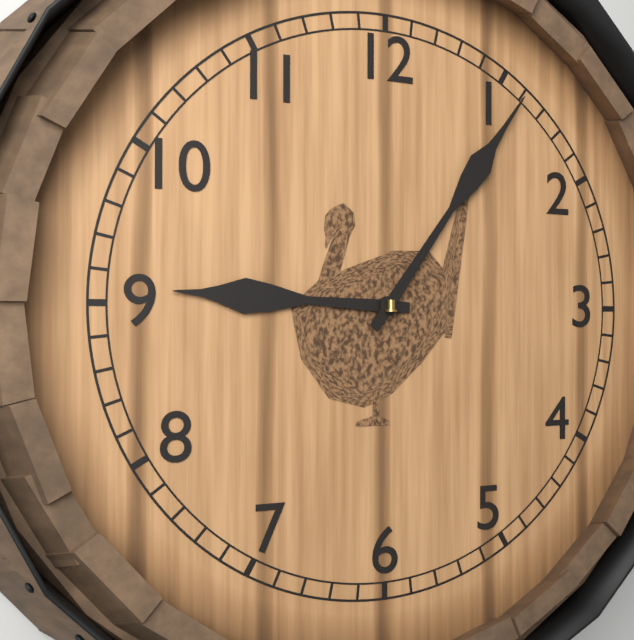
9:06
